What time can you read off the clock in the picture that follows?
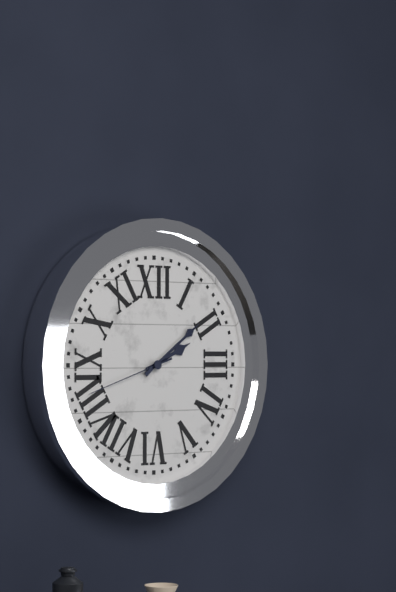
2:09:42
